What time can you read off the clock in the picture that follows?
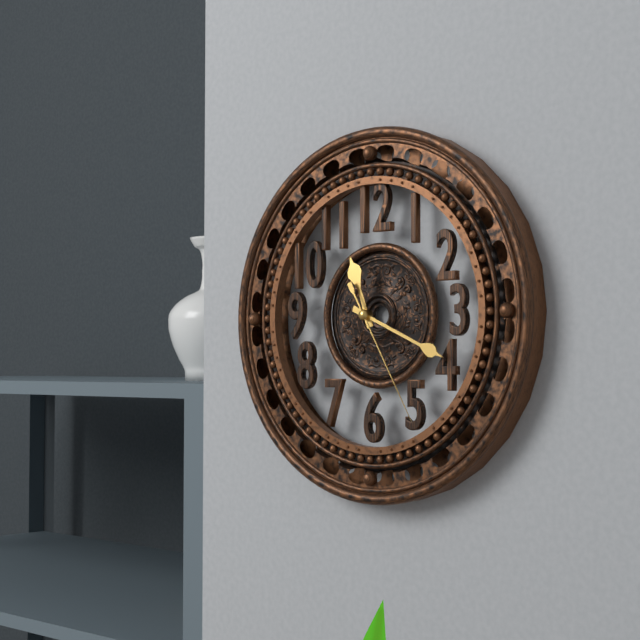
11:19:25
